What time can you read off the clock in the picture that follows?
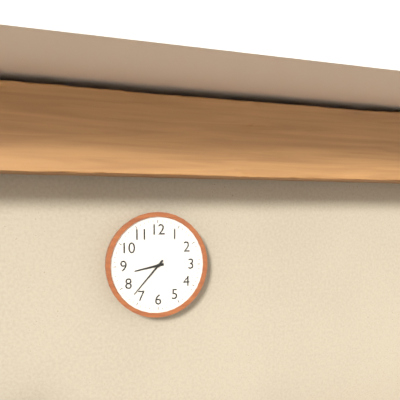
8:37
